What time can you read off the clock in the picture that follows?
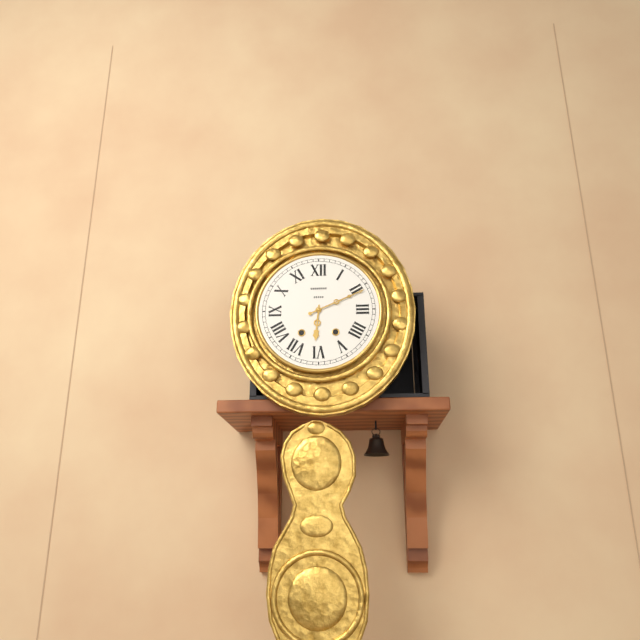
6:11
